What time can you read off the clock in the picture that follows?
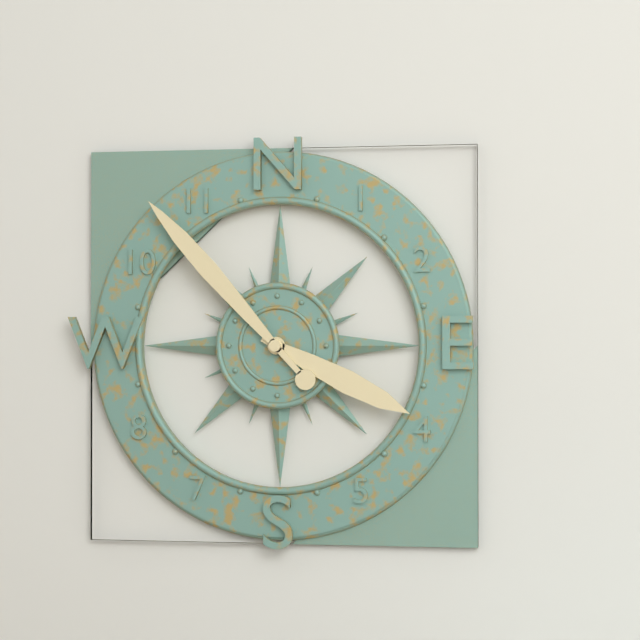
3:53
